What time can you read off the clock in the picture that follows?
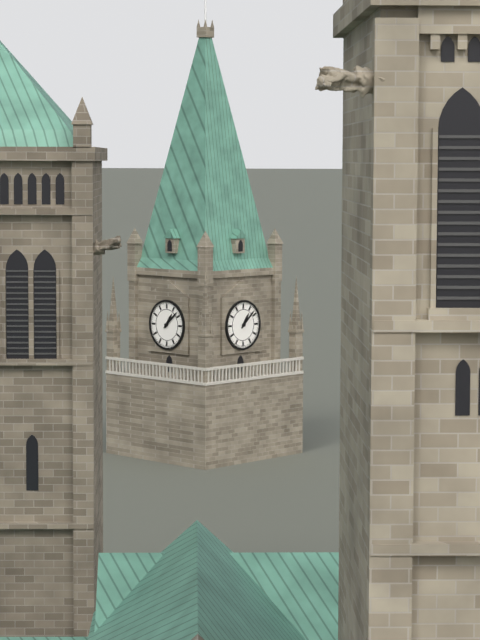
1:08
